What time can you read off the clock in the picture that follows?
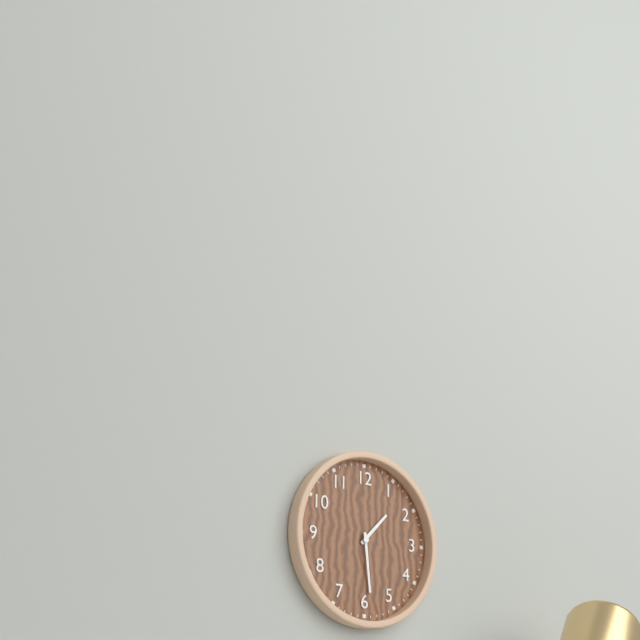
1:29
